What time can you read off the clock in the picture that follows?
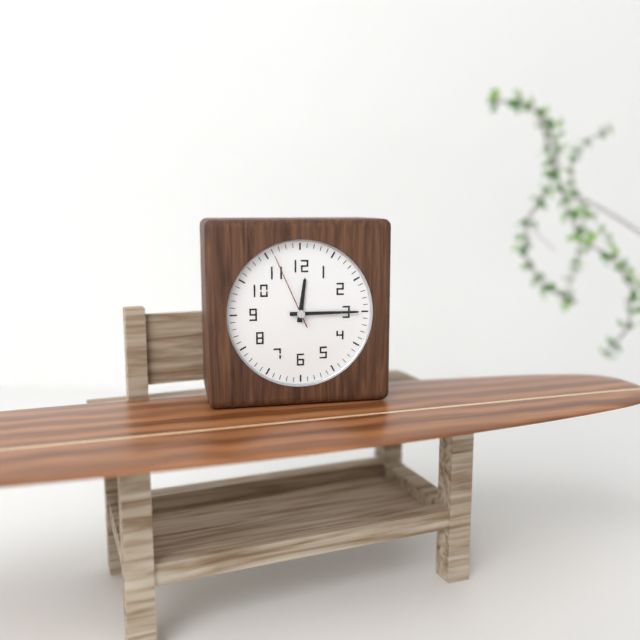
12:15:56
